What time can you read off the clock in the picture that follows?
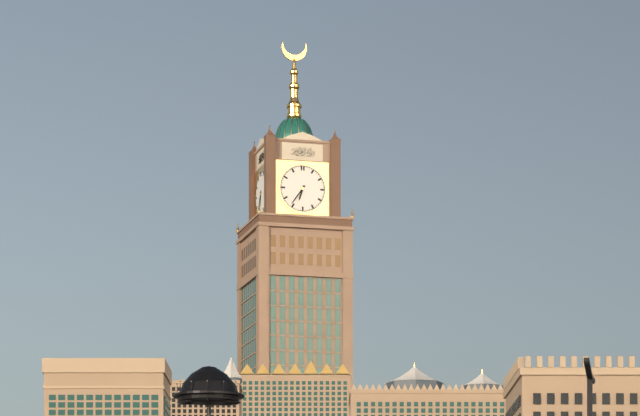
6:36
